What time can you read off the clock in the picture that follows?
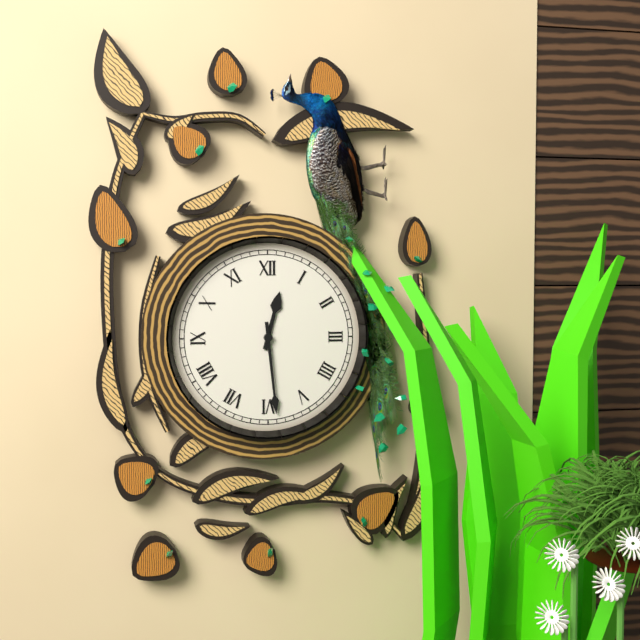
12:29
